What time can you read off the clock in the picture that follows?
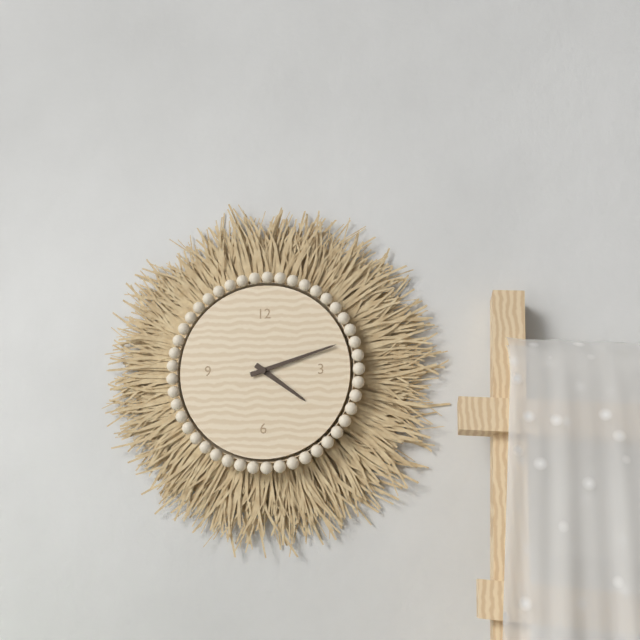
4:12
